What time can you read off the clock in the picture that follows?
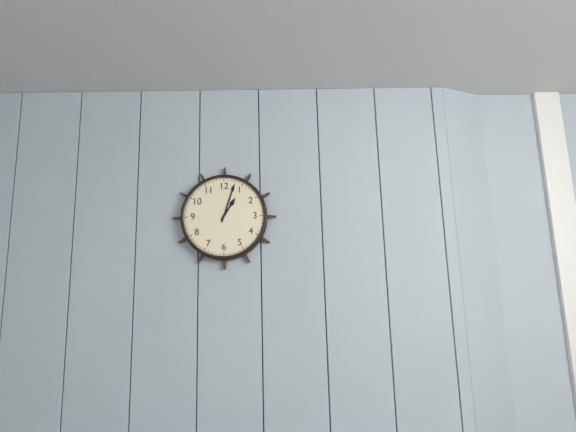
1:03
